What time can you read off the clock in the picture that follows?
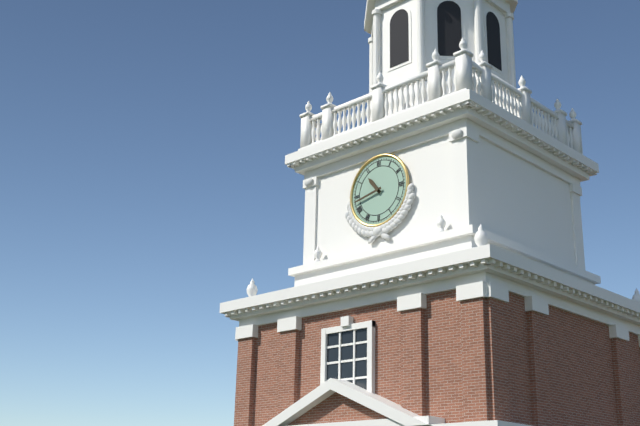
10:43
